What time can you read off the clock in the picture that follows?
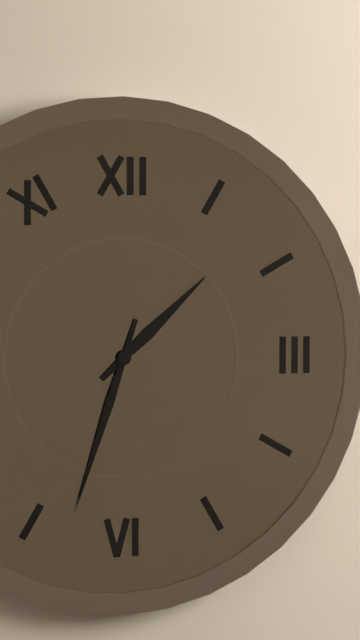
1:33
